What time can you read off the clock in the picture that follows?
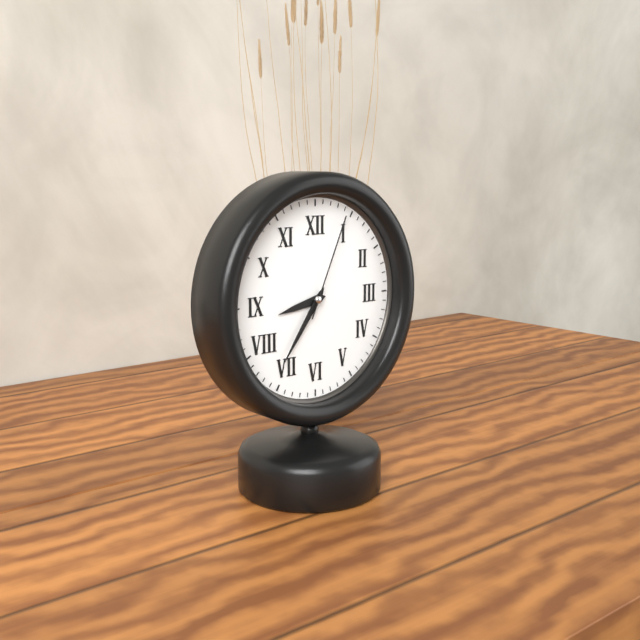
8:36:04
